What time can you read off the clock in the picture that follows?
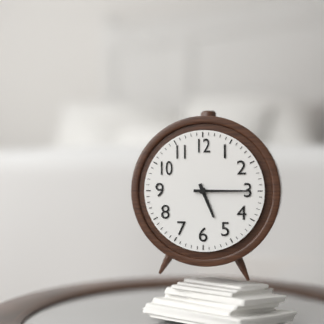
5:15
